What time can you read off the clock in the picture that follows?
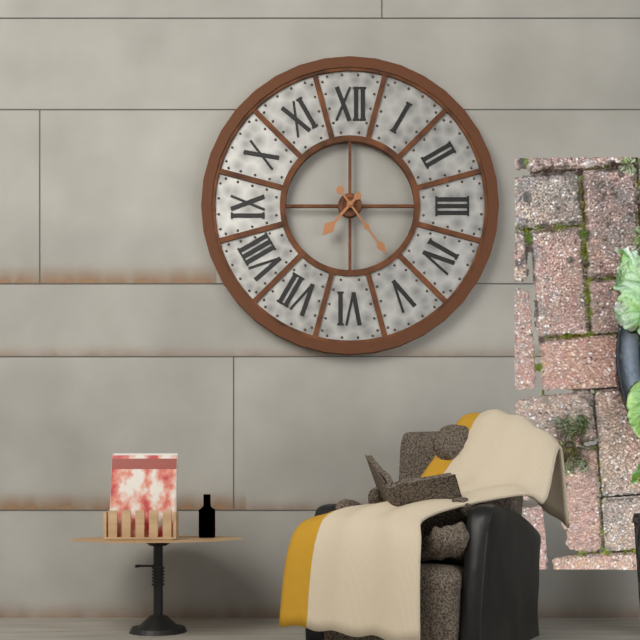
7:24
